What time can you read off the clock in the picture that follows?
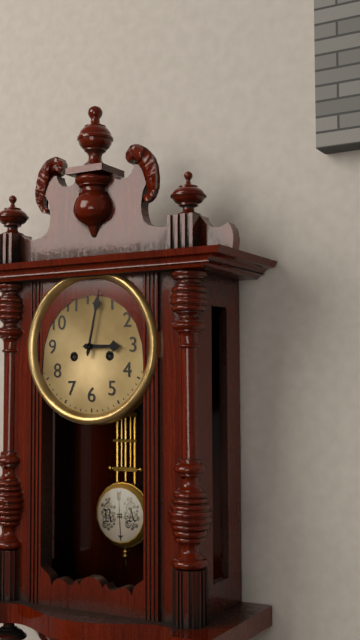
3:02
